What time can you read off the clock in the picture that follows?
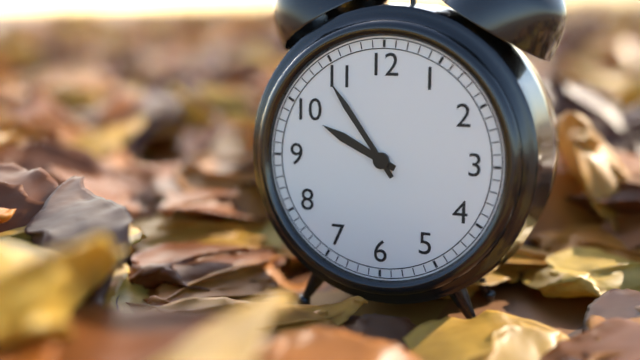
9:54
